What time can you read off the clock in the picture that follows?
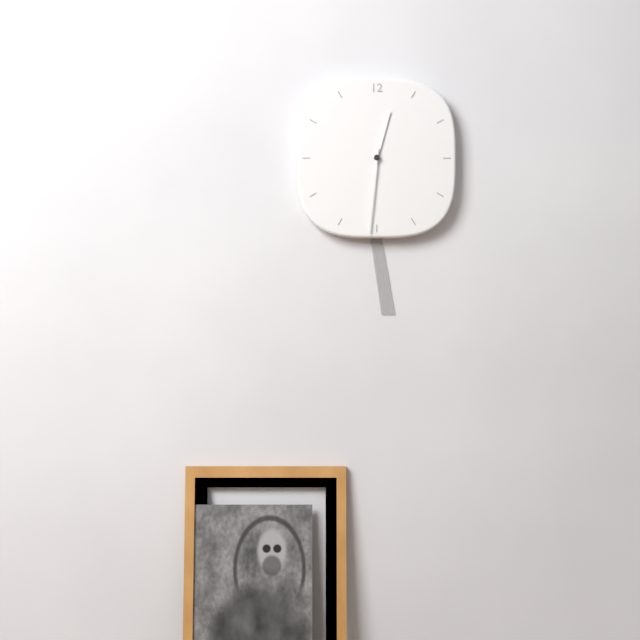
12:31
